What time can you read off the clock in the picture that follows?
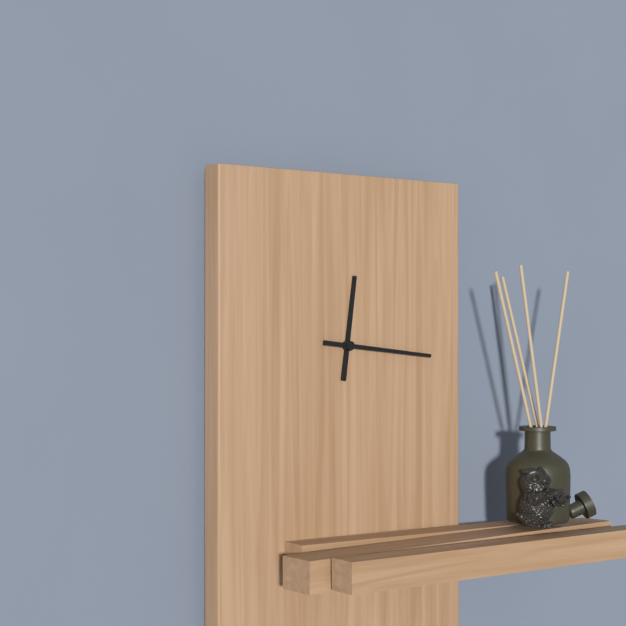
12:16
